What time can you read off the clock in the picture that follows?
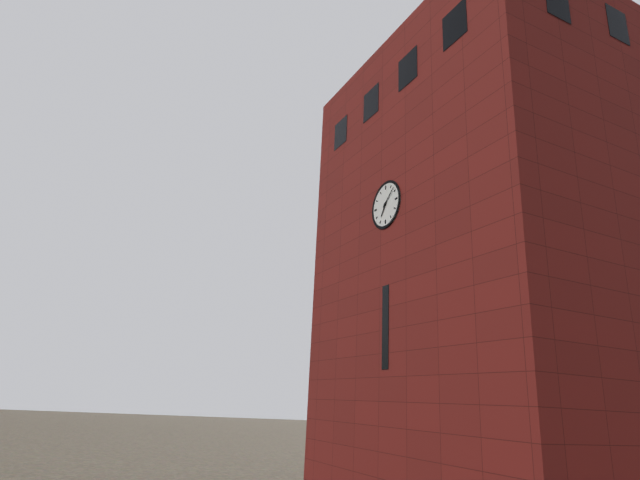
7:08
